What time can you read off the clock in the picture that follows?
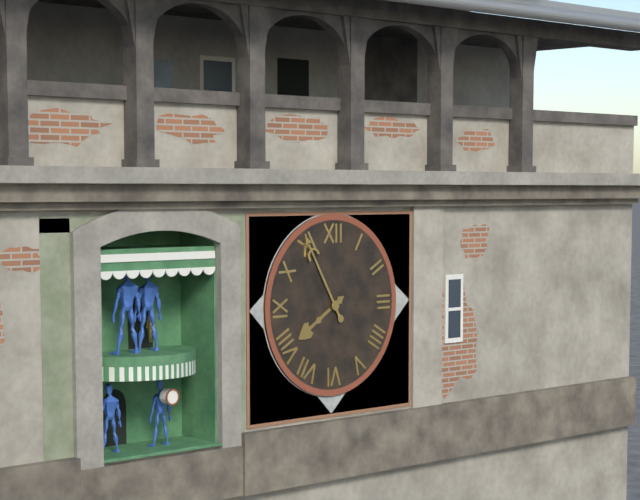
7:55
